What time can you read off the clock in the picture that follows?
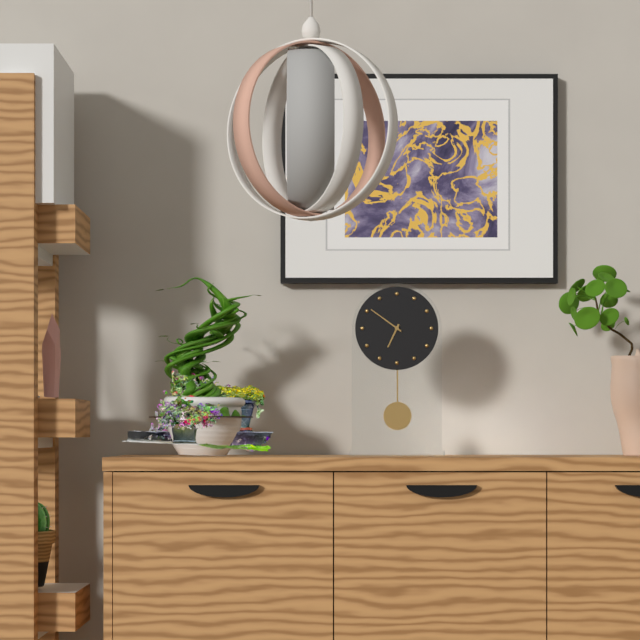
6:51
